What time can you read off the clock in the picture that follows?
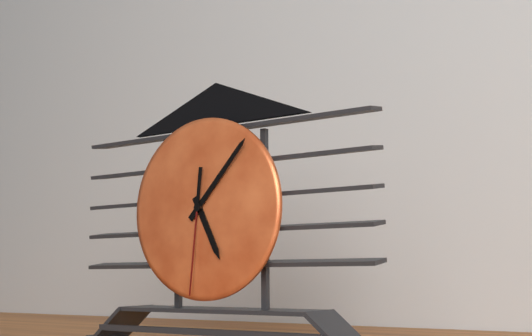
5:07:31
